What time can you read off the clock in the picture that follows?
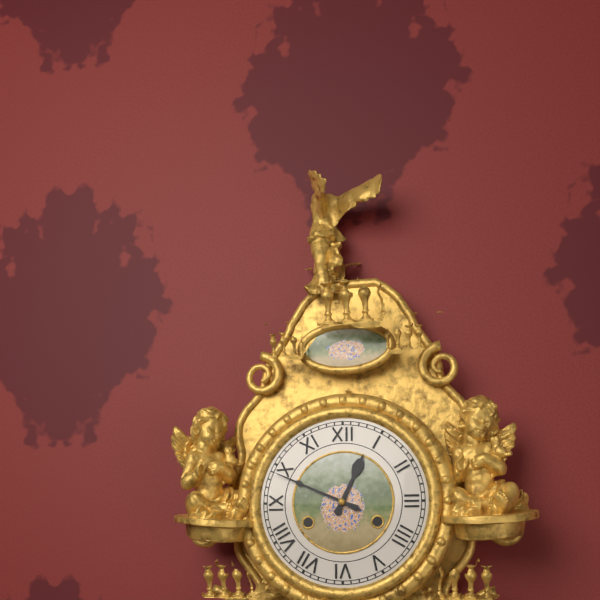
12:49
